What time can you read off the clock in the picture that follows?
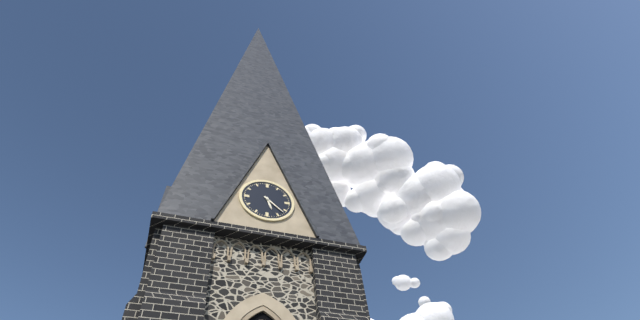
5:22
